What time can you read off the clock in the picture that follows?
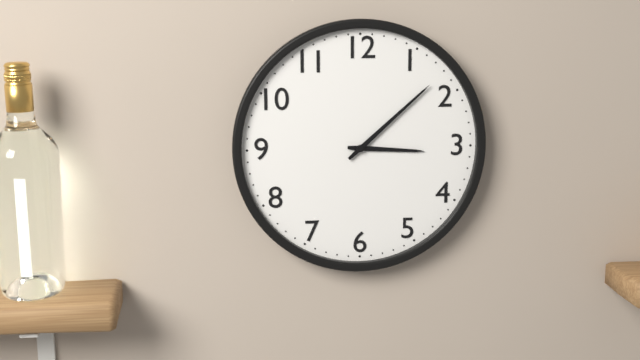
3:08
